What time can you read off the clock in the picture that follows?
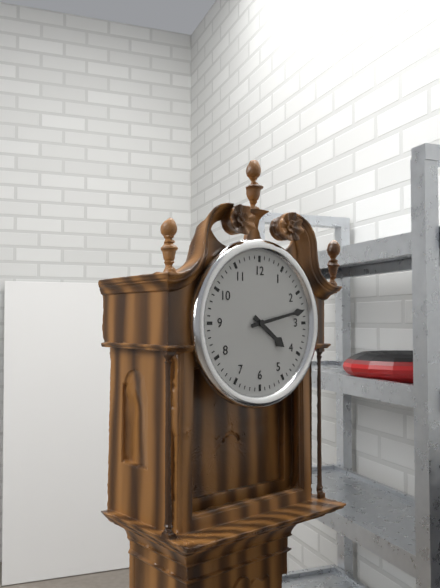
4:13
